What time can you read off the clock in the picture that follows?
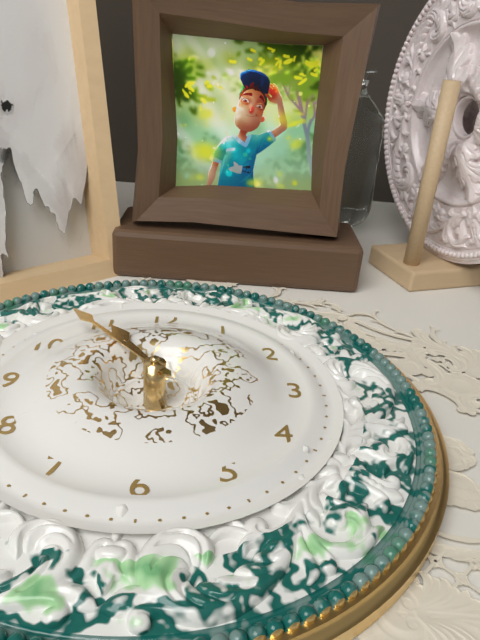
10:53
